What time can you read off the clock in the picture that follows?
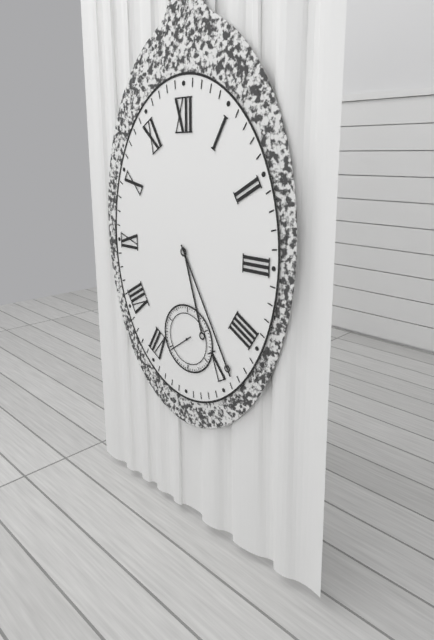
5:25
